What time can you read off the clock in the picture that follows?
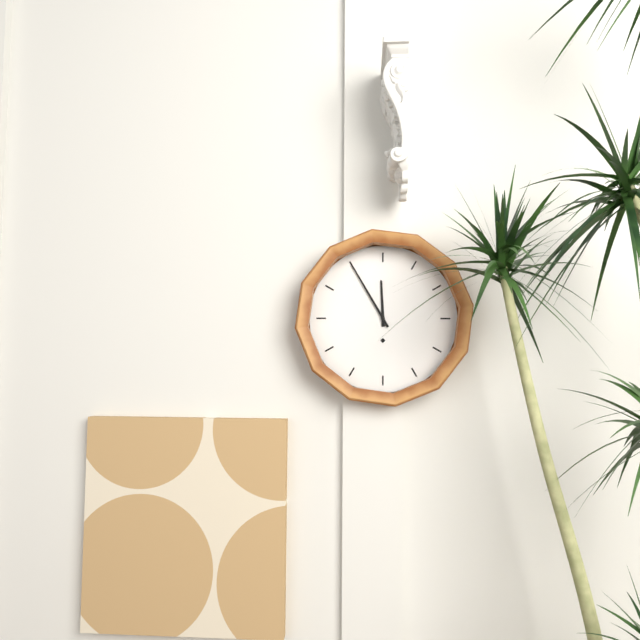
11:55
